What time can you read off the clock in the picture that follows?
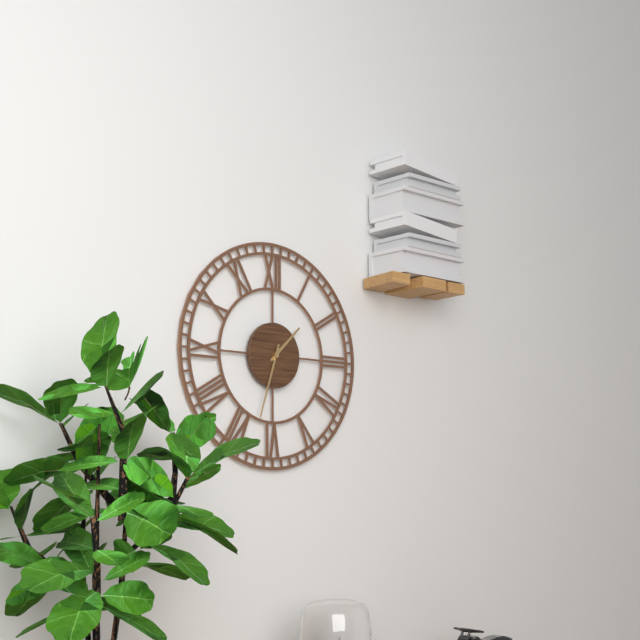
1:33
